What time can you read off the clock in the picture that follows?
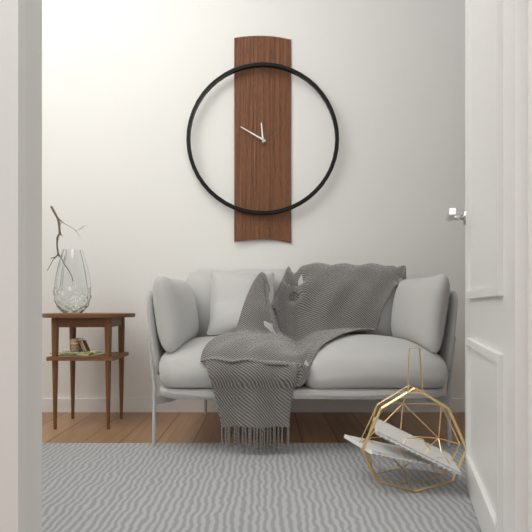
11:50
